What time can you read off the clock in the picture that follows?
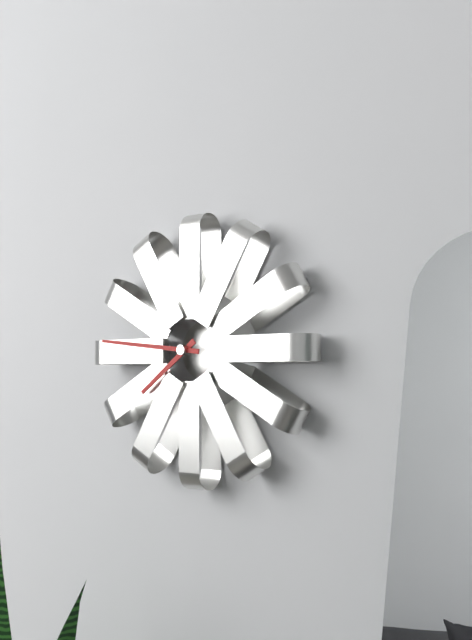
7:46
